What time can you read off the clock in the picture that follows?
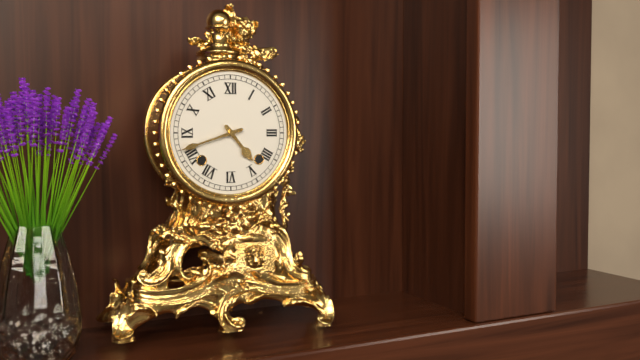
4:42
